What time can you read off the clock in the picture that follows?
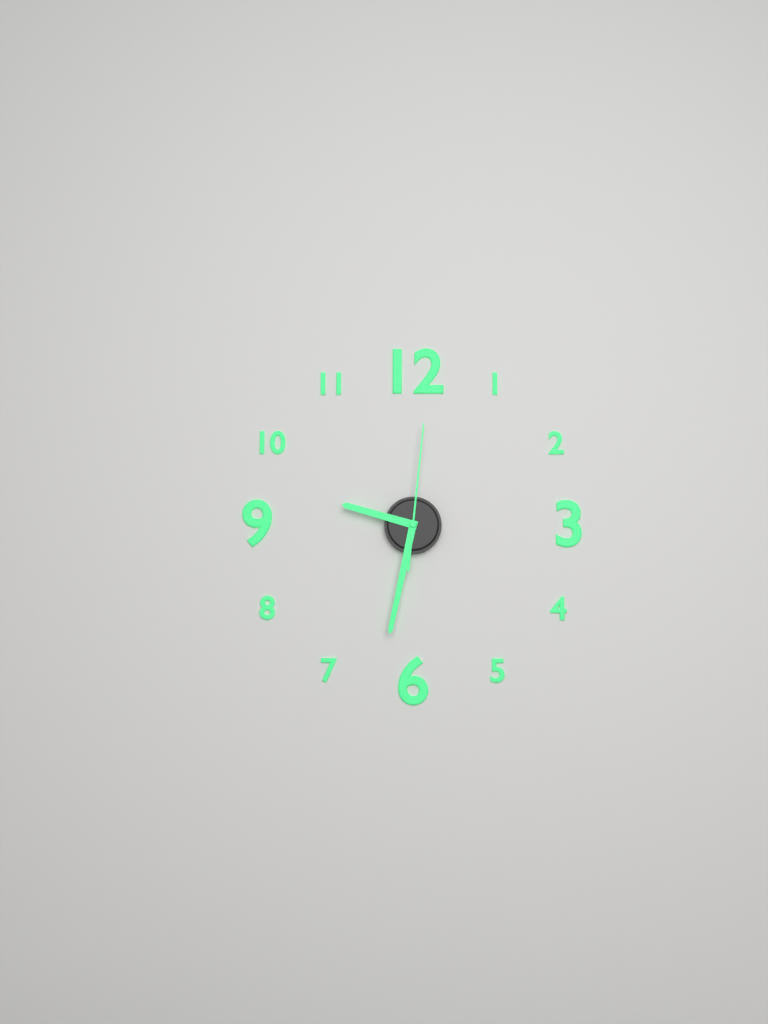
9:32:01
